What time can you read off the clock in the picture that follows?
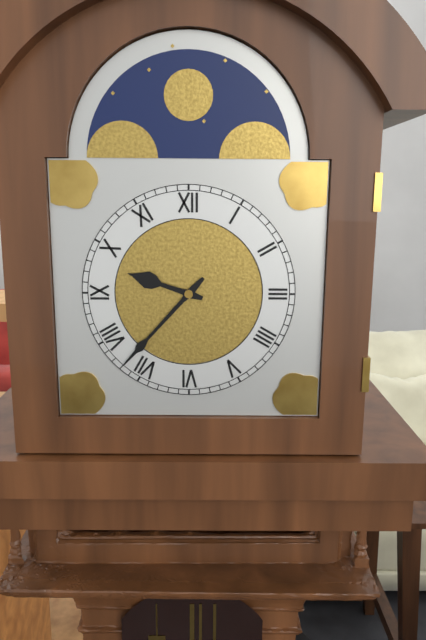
9:37
